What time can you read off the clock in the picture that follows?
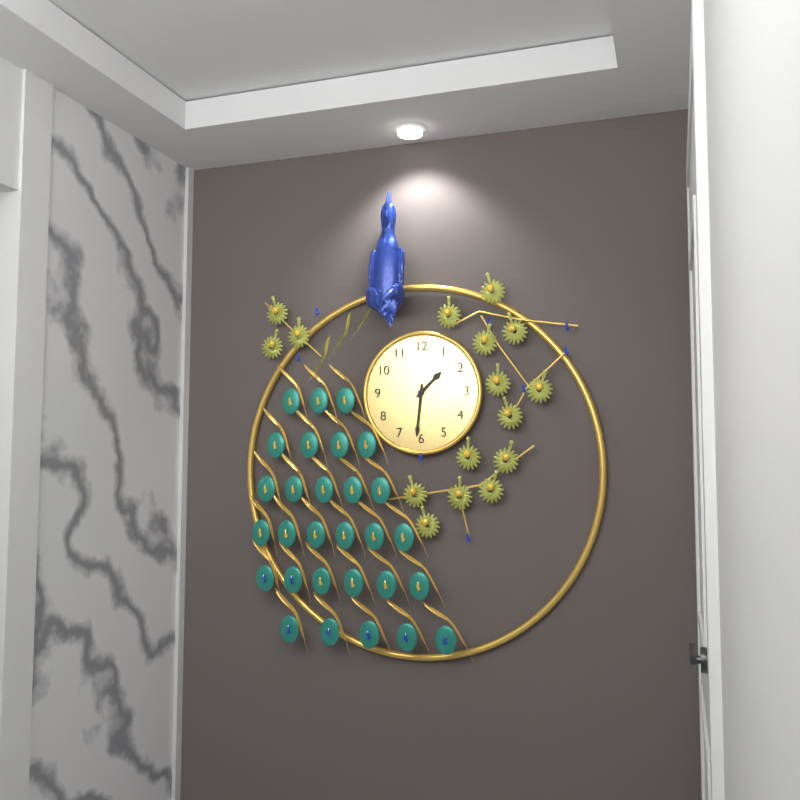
1:31
